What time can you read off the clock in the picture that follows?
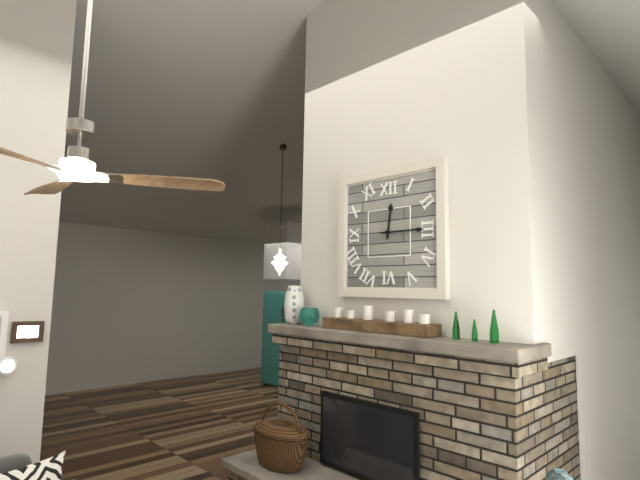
12:15
